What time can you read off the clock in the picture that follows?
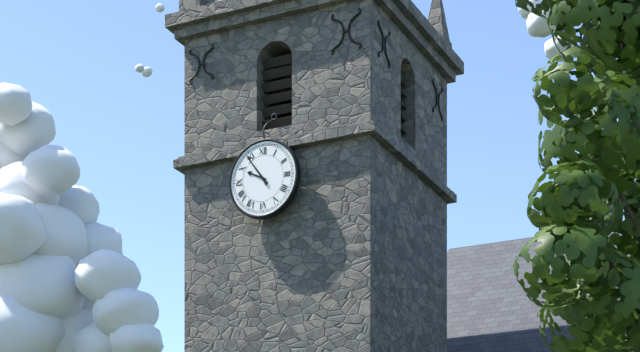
9:54
